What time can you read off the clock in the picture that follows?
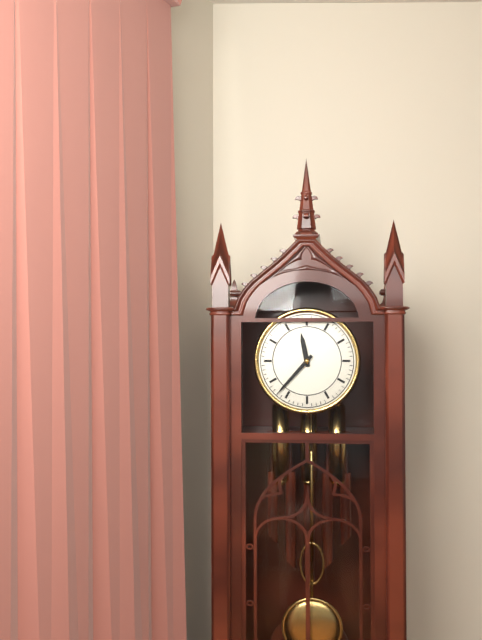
11:37
